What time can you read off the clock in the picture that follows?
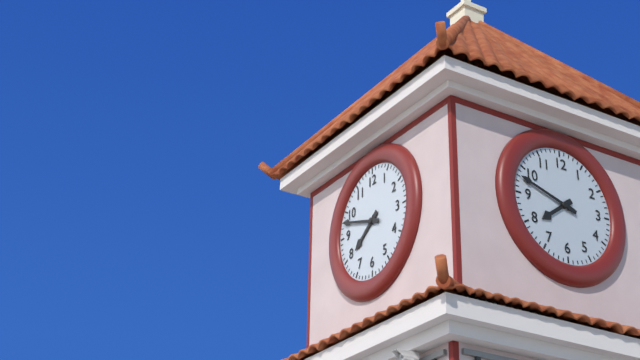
7:48
